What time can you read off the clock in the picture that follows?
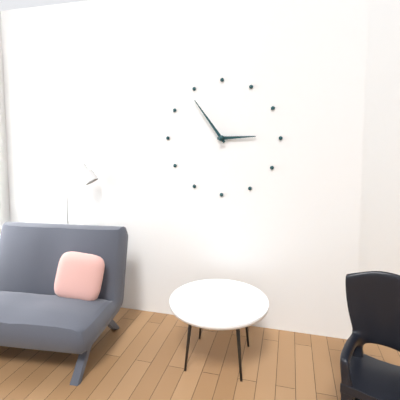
2:54
